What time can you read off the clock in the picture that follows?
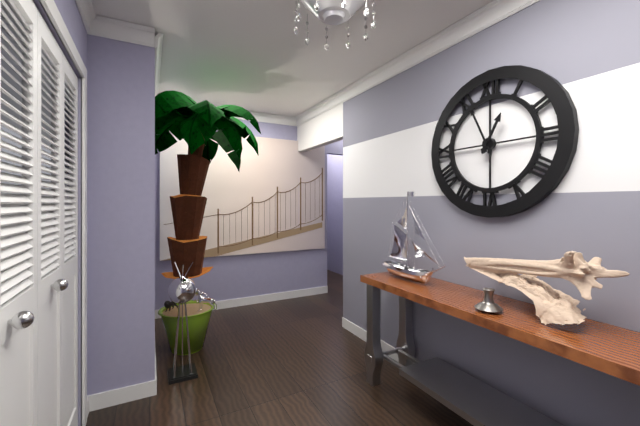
12:56
